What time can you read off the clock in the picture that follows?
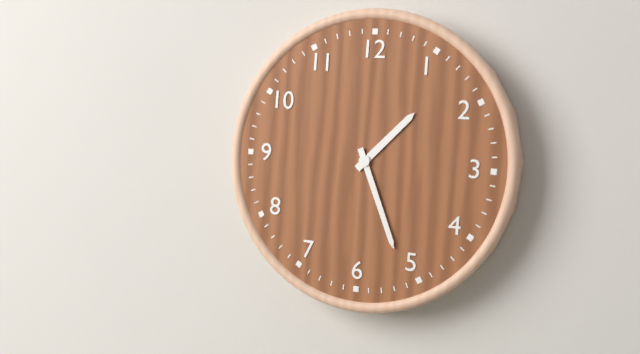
1:26
